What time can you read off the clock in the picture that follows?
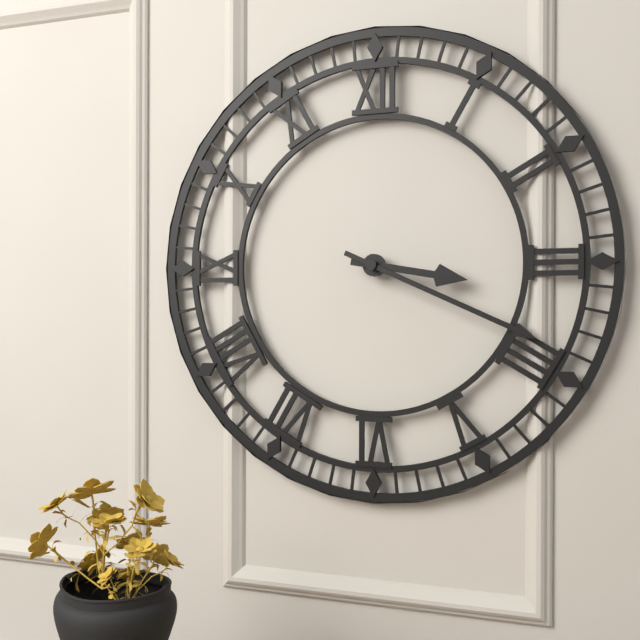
3:19
